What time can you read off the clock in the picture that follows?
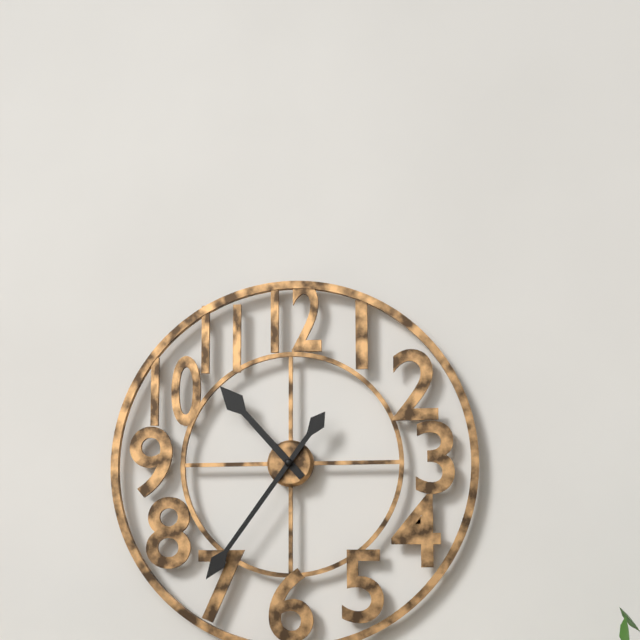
10:36
